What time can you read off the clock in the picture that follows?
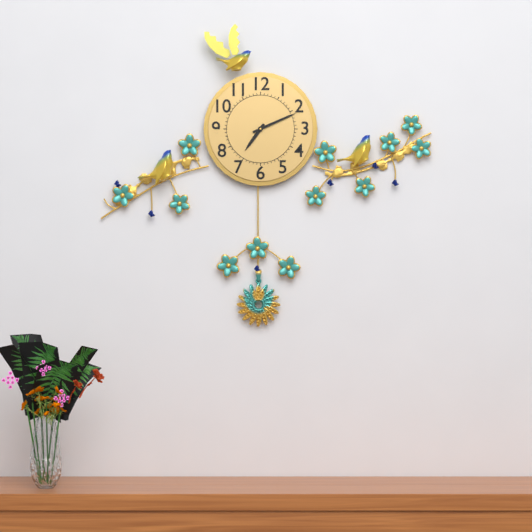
7:11
